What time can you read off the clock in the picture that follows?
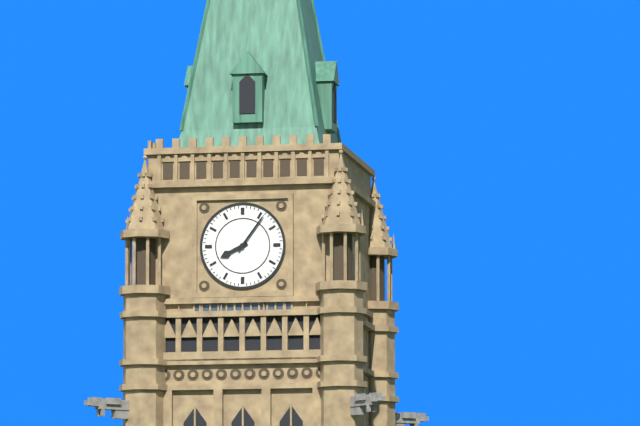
8:06
